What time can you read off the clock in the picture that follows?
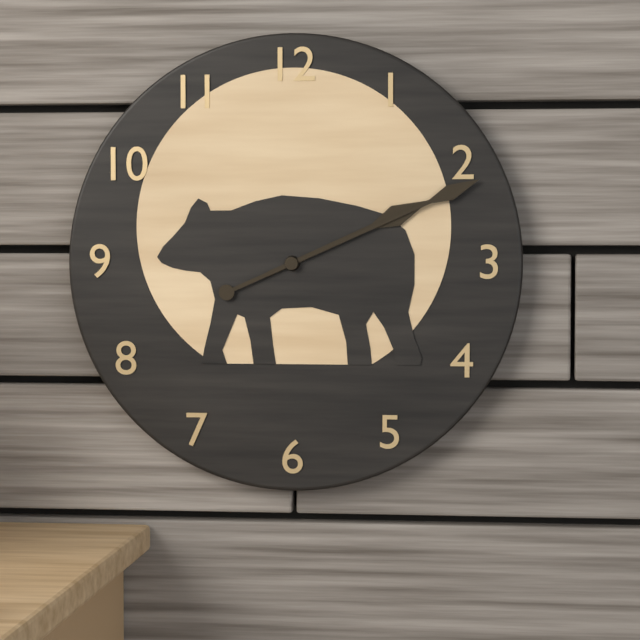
2:11
